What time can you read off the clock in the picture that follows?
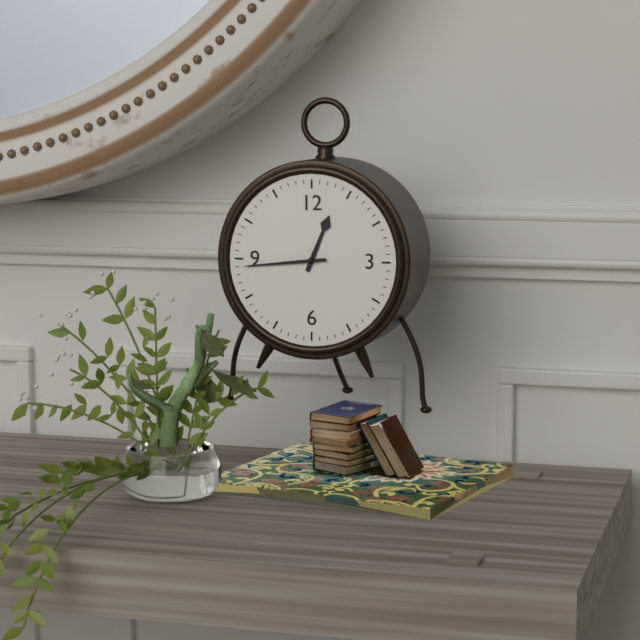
12:44
